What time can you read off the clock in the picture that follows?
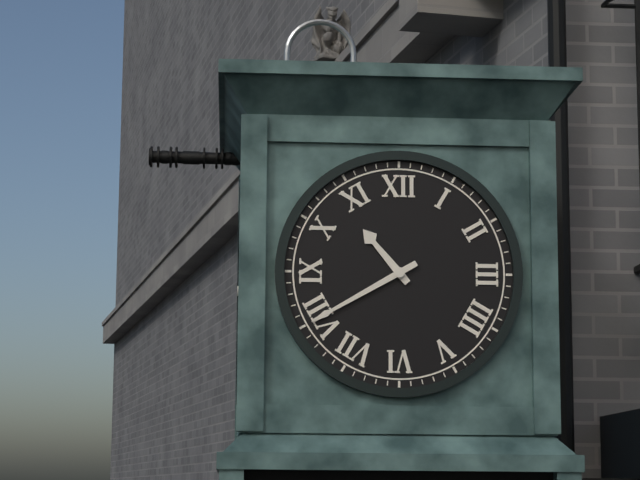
10:40
